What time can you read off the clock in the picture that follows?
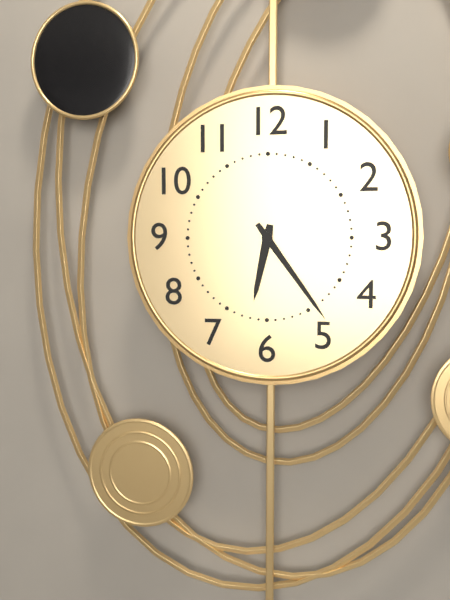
6:24
